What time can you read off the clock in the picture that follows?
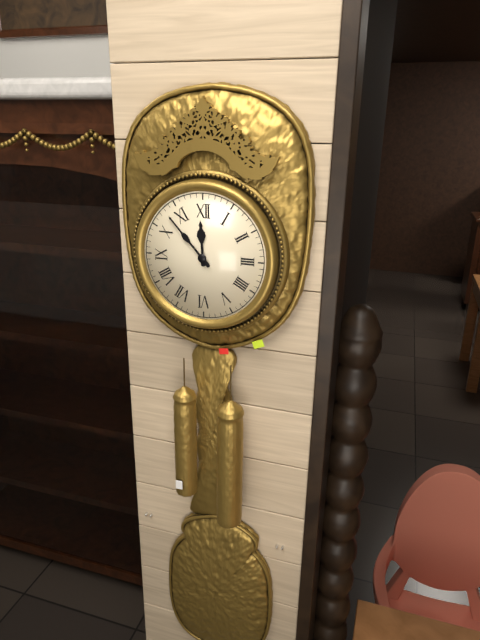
11:53
